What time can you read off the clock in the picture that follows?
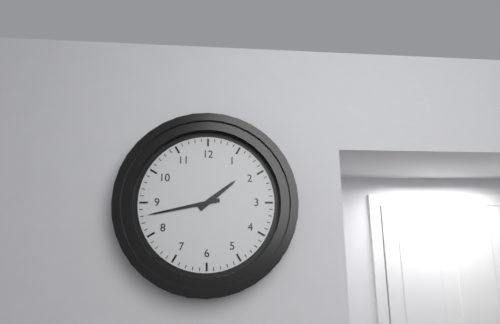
1:43
